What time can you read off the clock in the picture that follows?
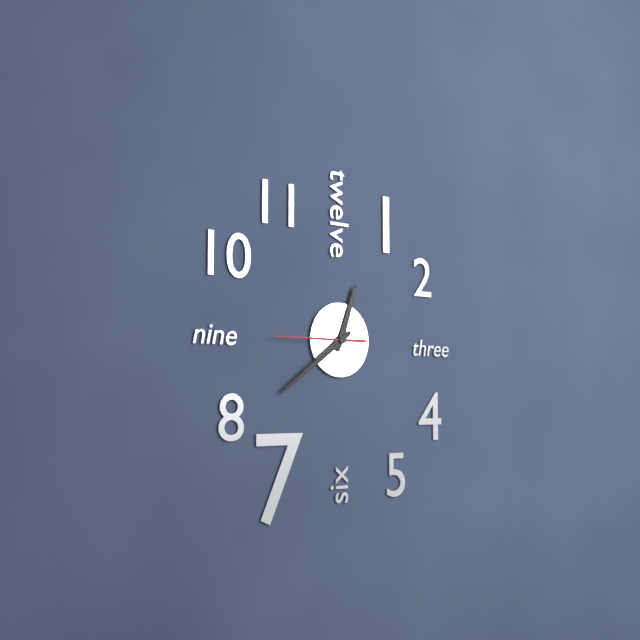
12:39:45
